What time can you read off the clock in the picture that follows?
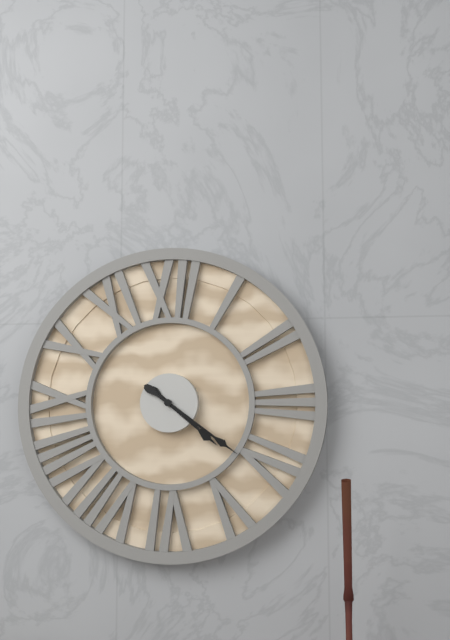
4:21
